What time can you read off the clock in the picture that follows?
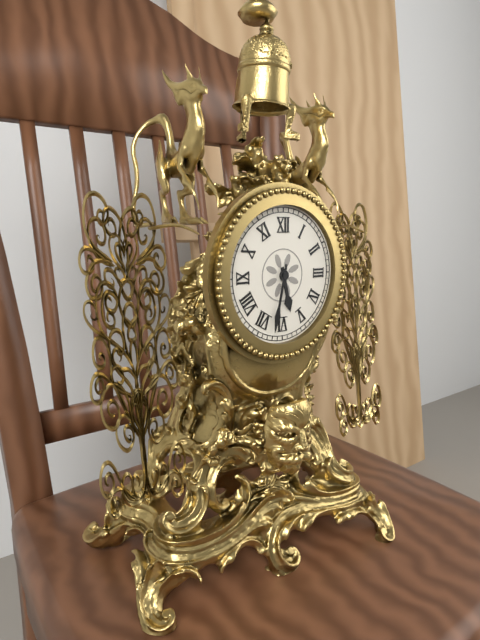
5:32
